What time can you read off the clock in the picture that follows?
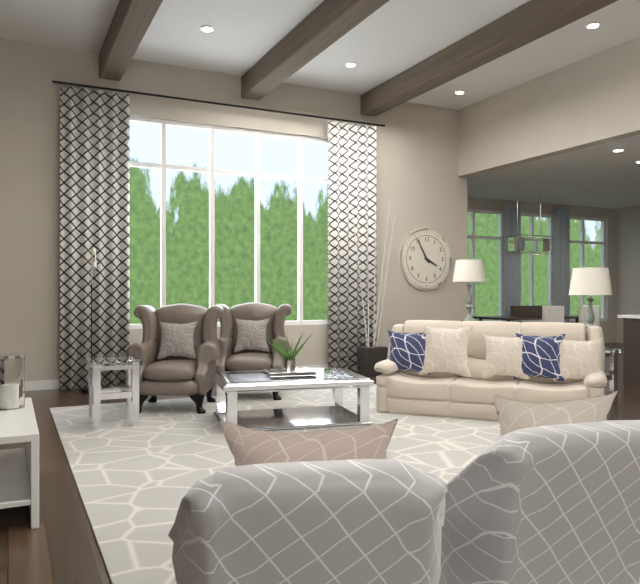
3:55
